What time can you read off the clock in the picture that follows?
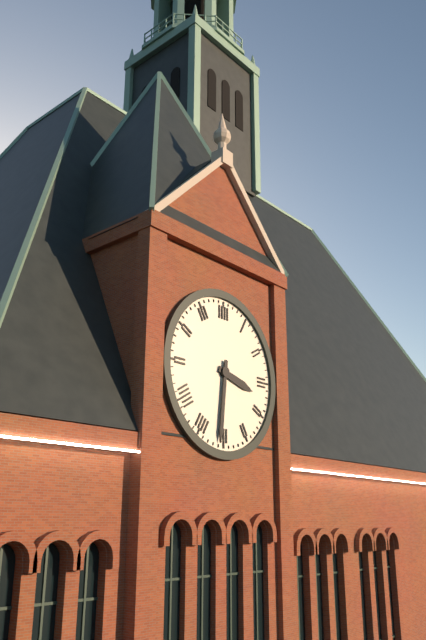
3:31
